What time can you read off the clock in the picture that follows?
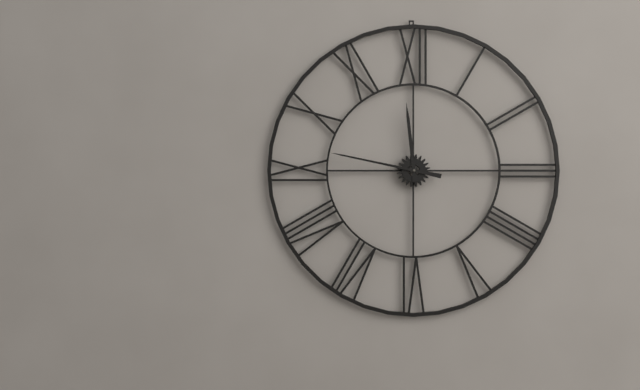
11:47
